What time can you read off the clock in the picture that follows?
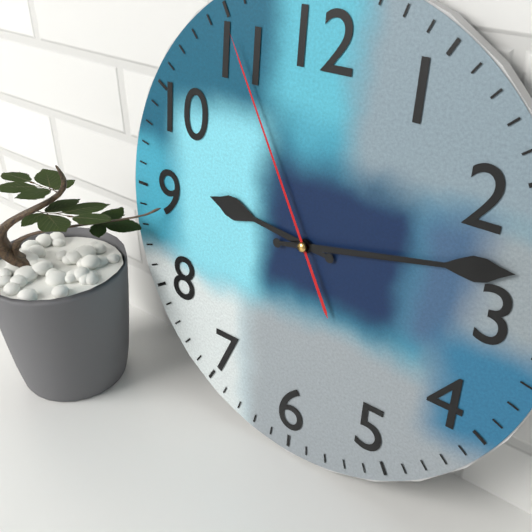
9:13:55
